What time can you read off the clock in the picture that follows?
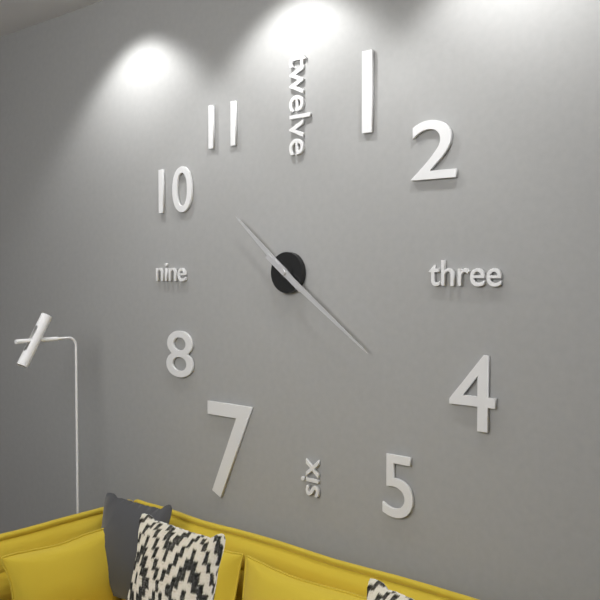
10:21
